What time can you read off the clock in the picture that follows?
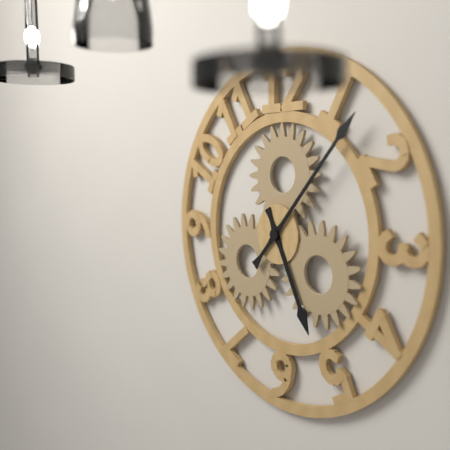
5:07
